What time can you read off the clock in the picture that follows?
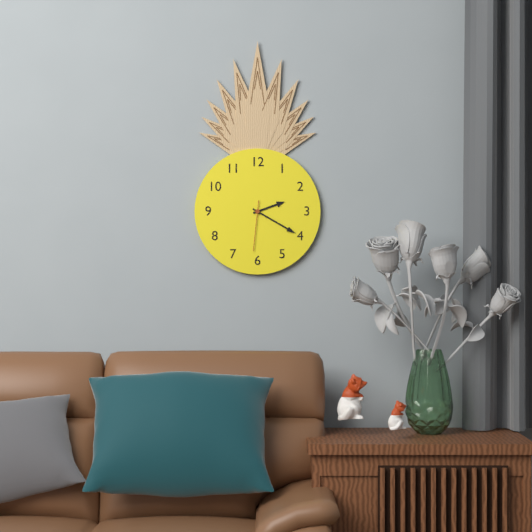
2:20:31
